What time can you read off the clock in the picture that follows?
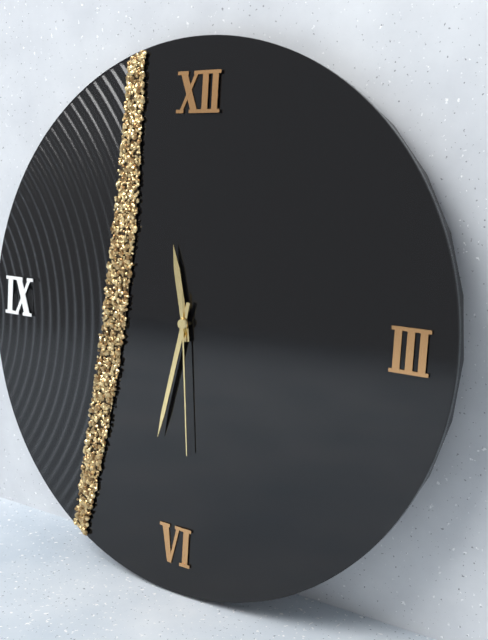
11:32:29
